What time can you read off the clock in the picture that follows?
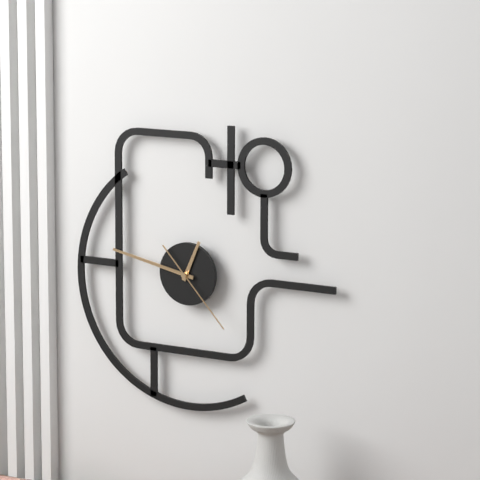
12:47:23
